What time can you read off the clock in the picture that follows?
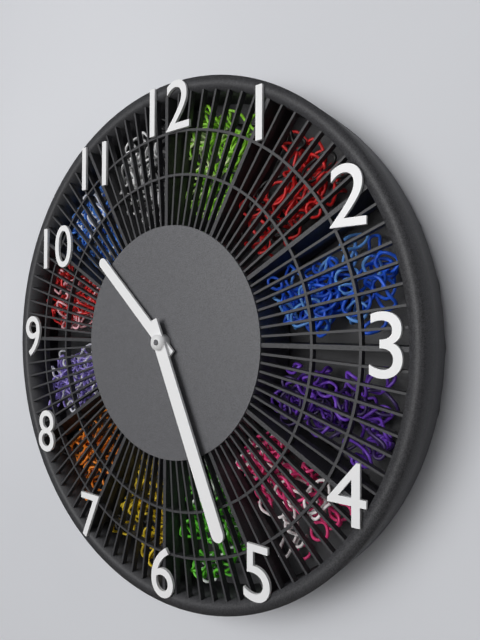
10:26
